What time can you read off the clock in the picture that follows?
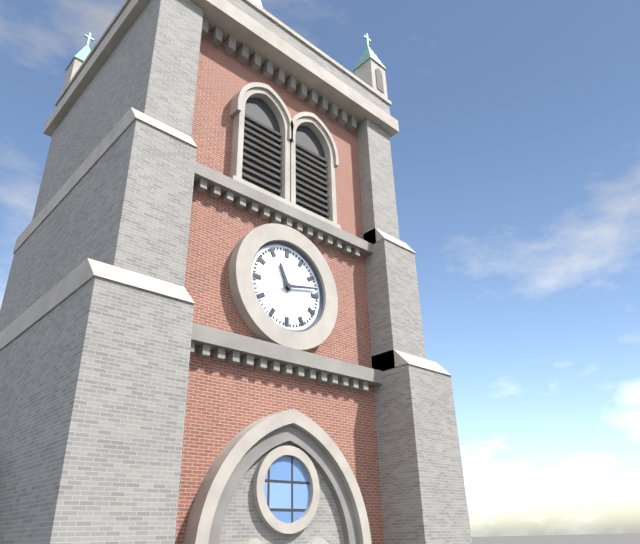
11:13
